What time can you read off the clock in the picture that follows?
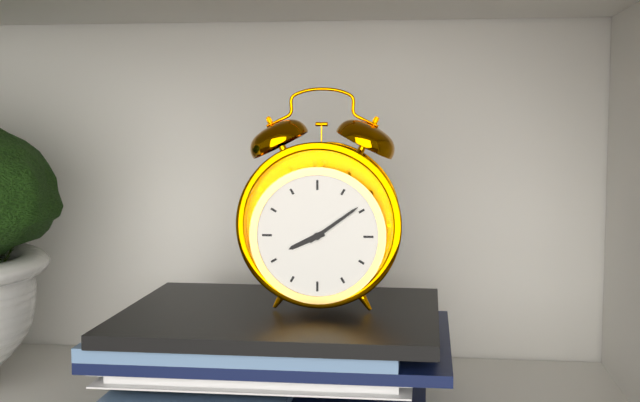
8:09
